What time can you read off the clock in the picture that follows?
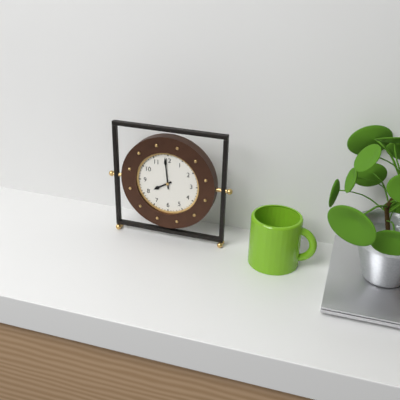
7:59
